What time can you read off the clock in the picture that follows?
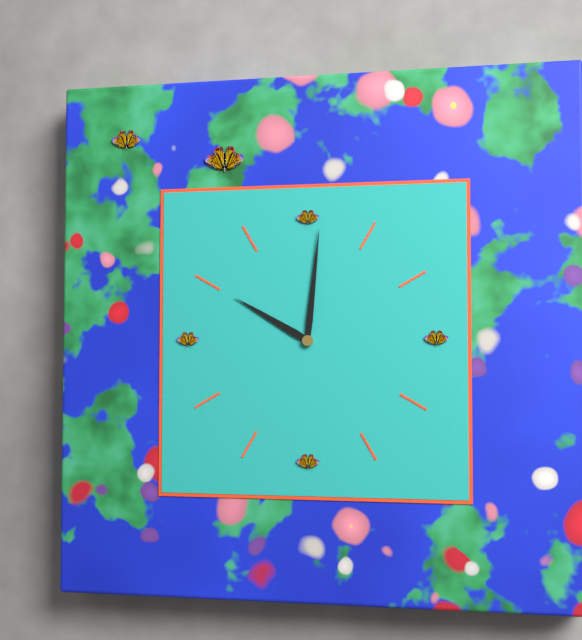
10:01
